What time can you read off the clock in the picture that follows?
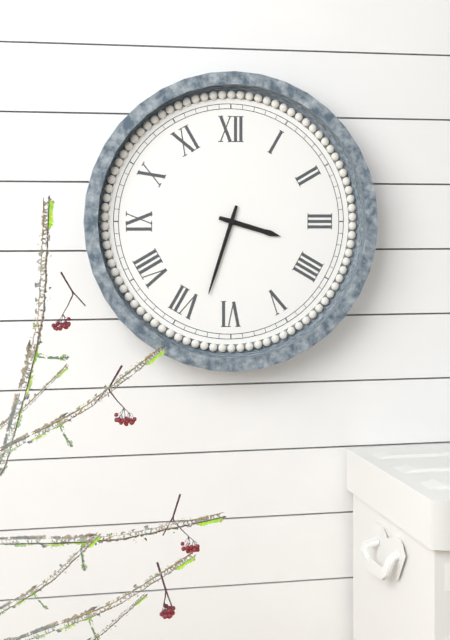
3:33
